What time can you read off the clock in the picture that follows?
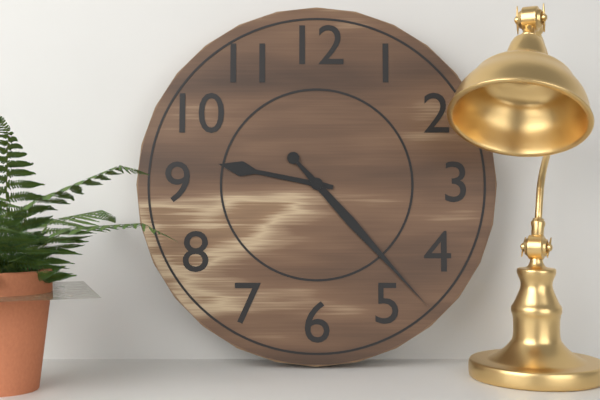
9:23
